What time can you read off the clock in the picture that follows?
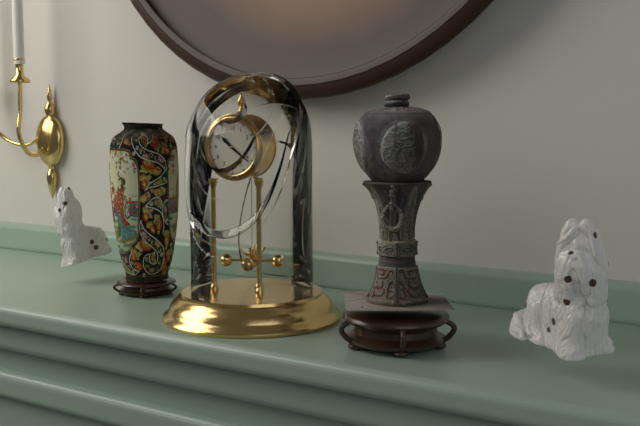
10:21
